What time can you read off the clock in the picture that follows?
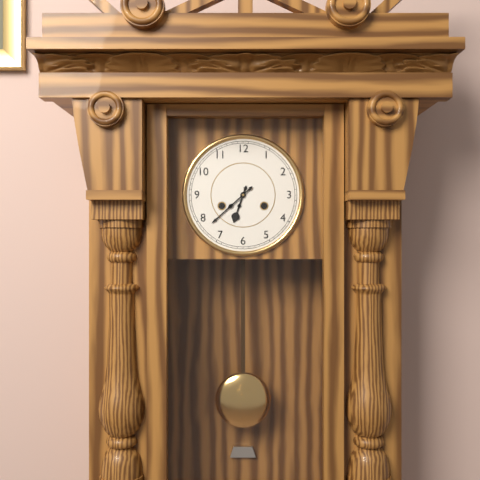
6:38
